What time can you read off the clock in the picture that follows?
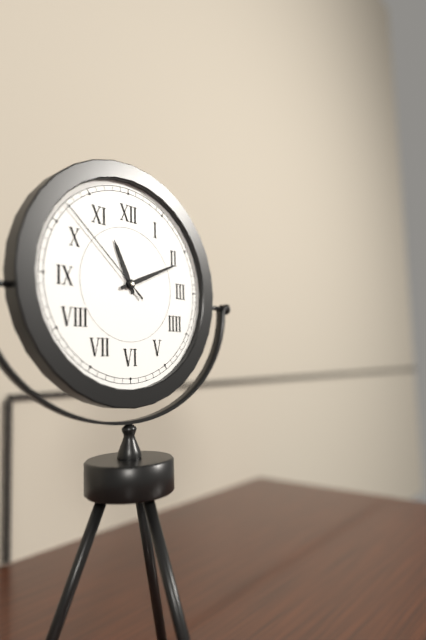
11:11:52
